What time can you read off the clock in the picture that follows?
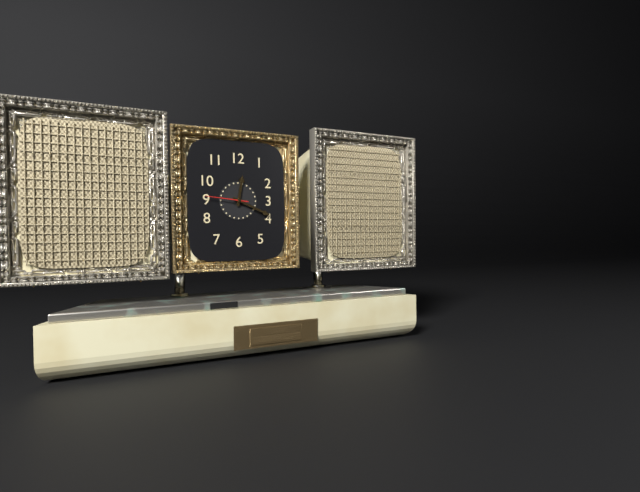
12:19
